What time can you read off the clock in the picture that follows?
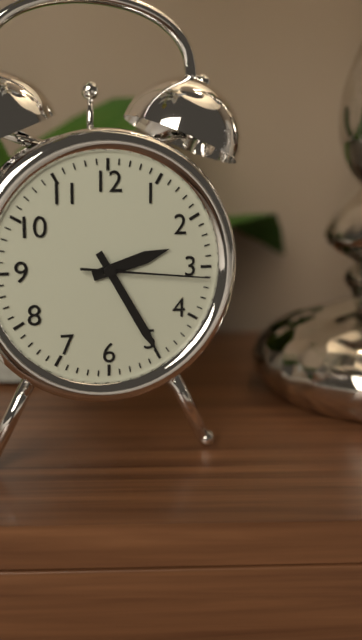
2:25:16
